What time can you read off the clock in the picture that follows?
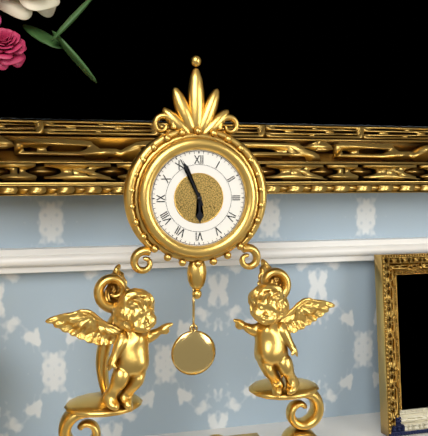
5:56
